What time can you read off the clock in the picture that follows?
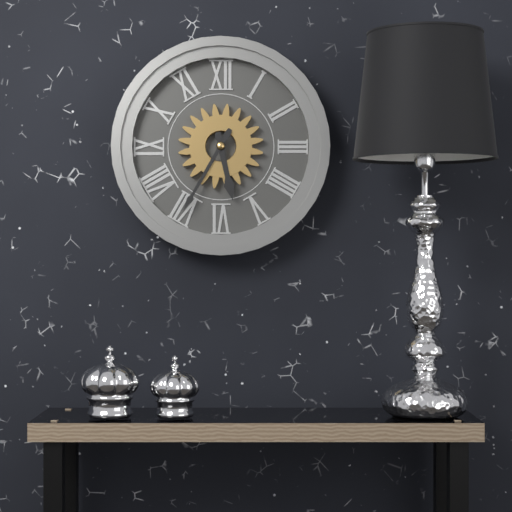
5:35
